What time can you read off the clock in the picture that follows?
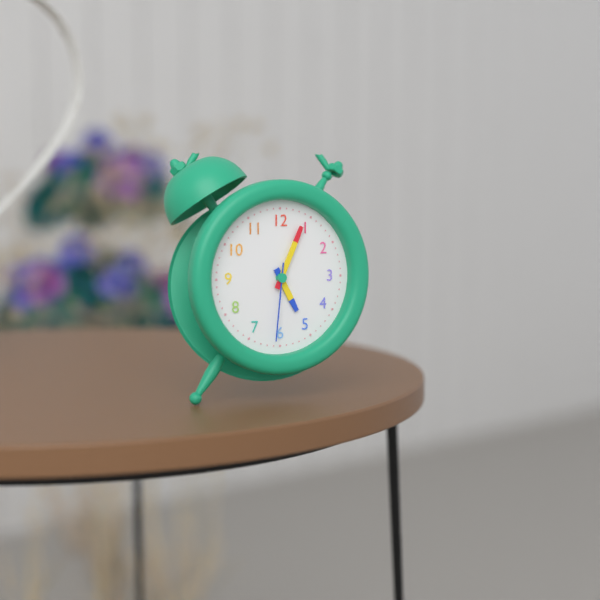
5:04:31
